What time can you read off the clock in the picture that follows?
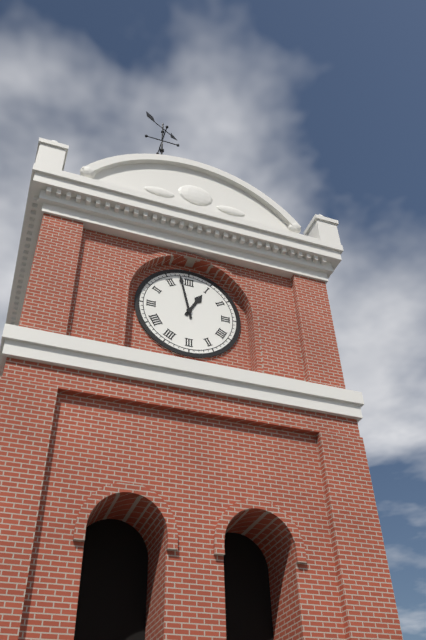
12:58
